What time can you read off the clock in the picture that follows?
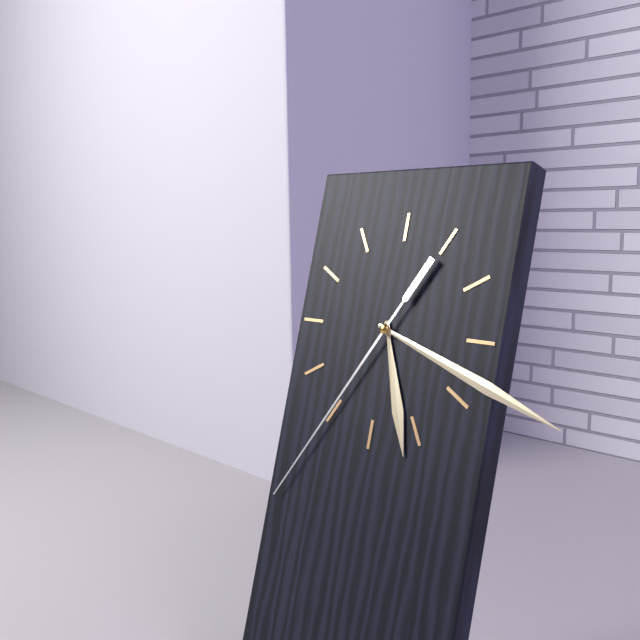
5:18:35
